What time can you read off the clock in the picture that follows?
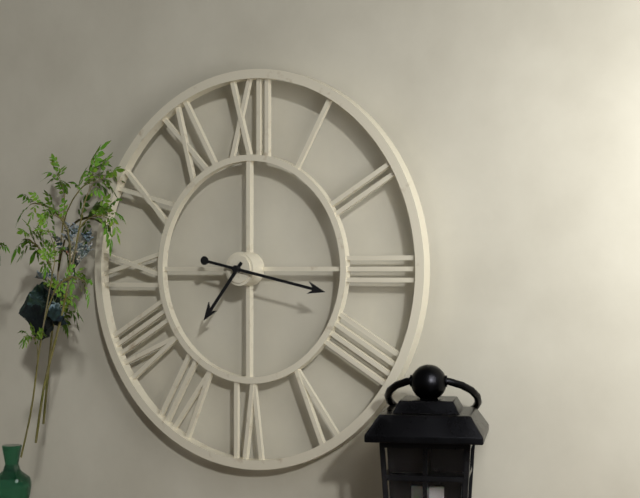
7:17
